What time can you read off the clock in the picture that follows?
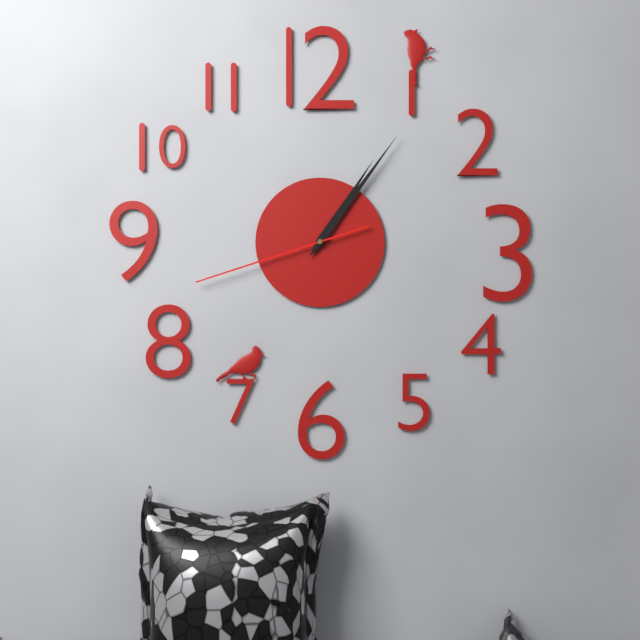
1:06:42
